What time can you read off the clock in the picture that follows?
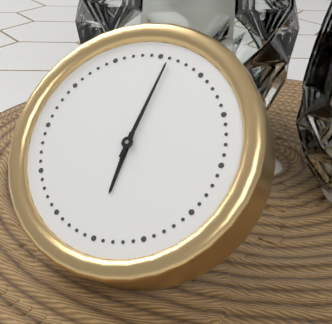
6:01
